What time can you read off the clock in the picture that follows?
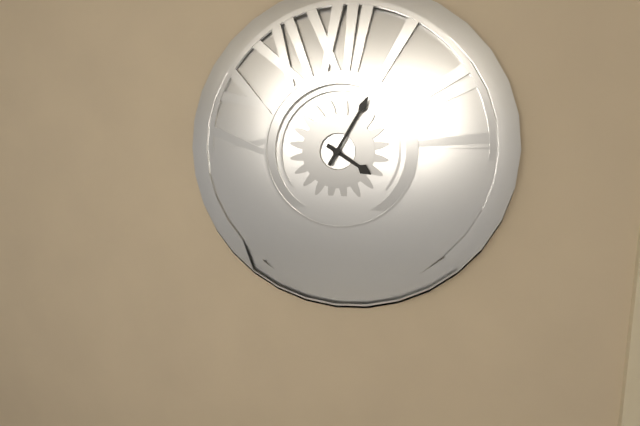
4:05
